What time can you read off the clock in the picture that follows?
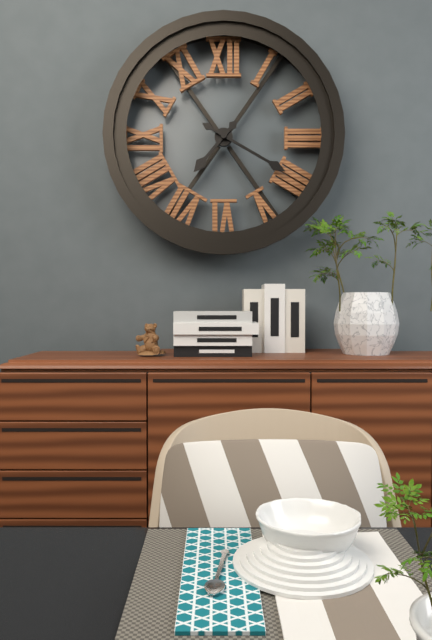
7:20
